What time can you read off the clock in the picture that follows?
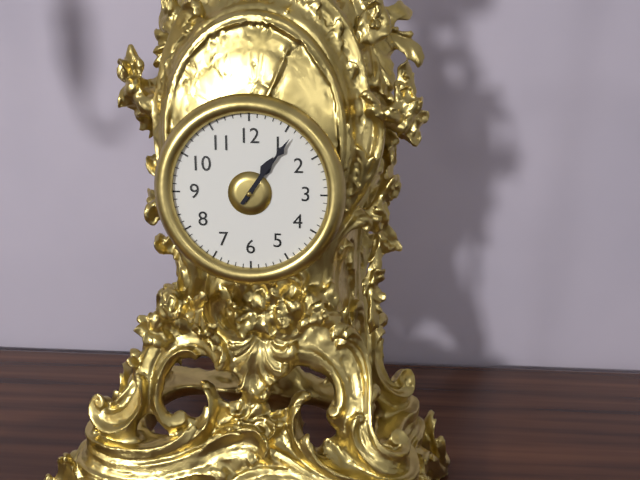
1:06
